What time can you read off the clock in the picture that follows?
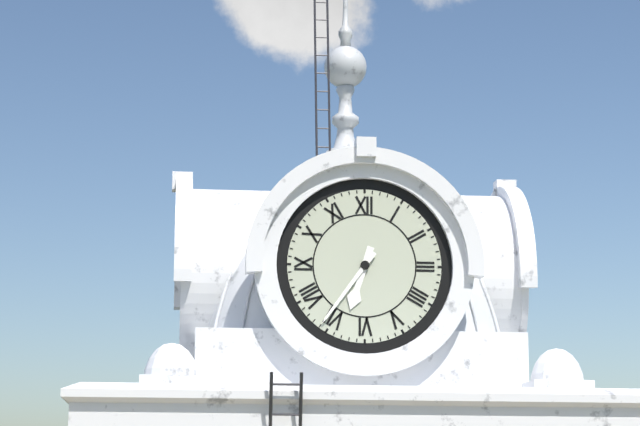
6:36
